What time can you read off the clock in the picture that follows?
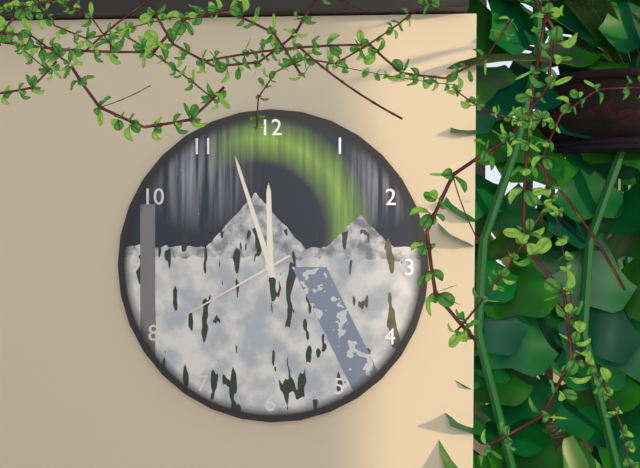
11:57:40
